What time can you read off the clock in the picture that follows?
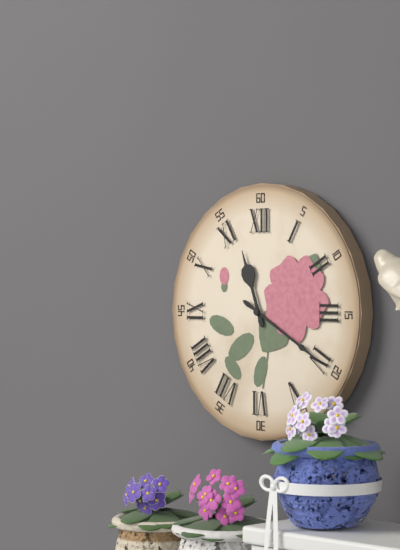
11:20
